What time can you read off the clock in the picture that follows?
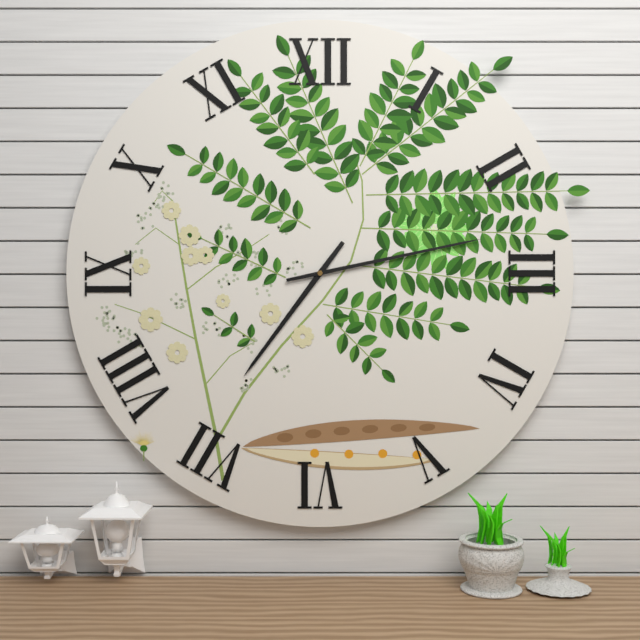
7:13
